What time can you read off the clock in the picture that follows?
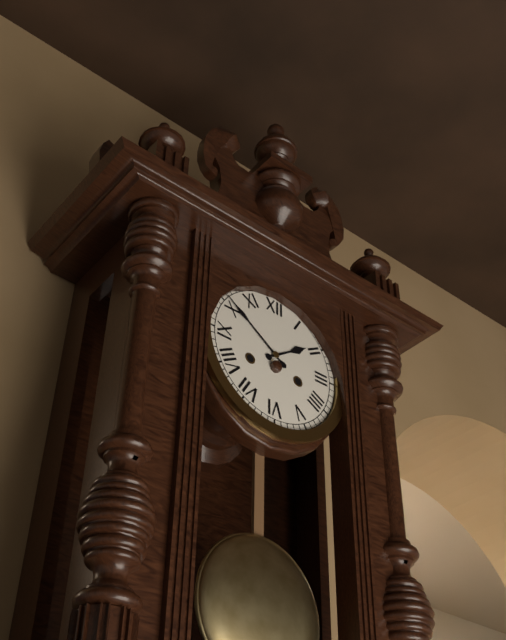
1:51
